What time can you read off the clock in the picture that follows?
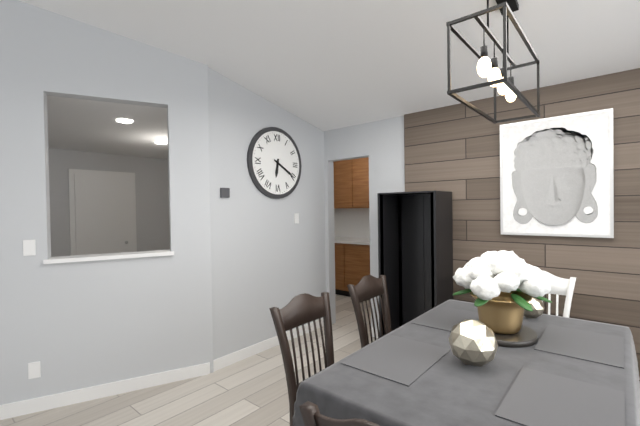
6:20
